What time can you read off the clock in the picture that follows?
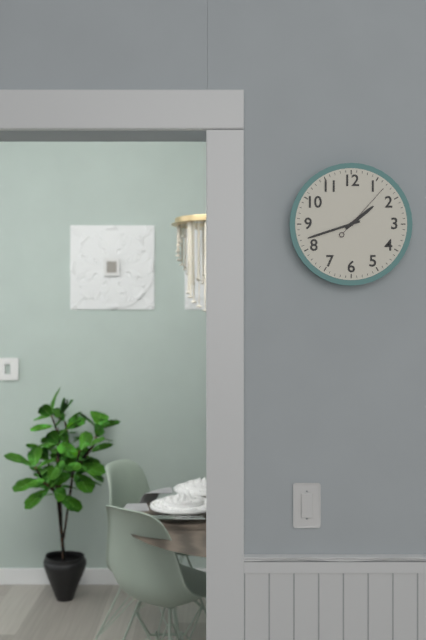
1:42:07
